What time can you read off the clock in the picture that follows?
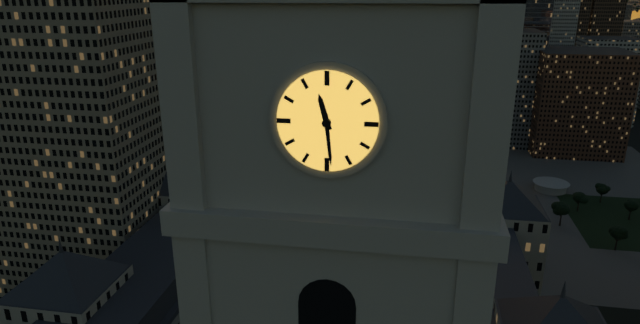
11:29
